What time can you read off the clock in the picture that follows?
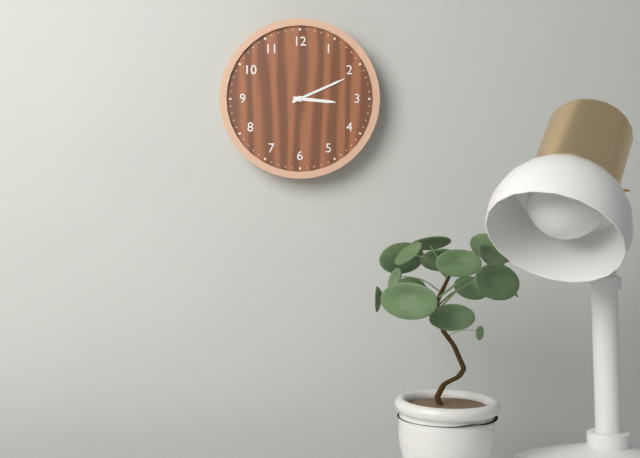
3:11
